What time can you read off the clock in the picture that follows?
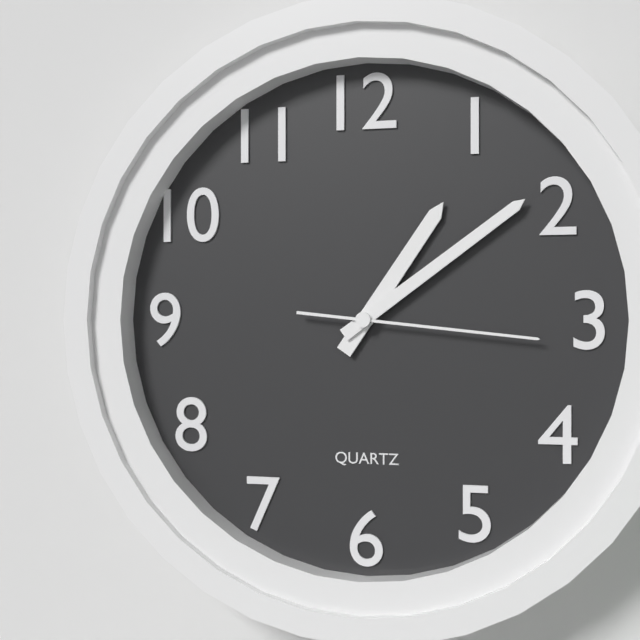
1:09:16
